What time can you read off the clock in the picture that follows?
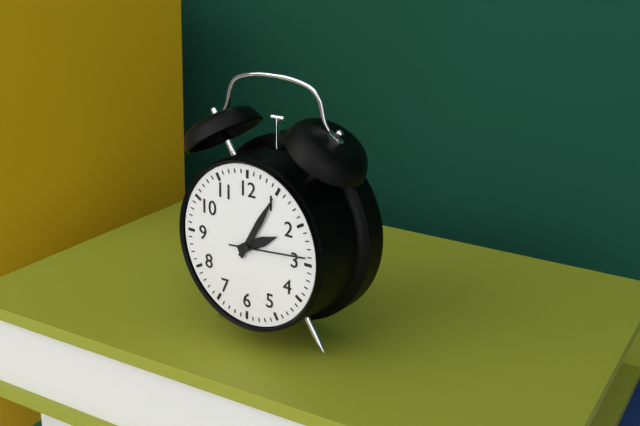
2:05:14
